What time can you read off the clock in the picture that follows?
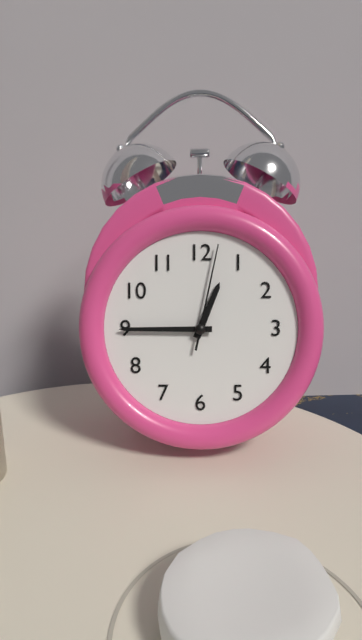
12:45:02
